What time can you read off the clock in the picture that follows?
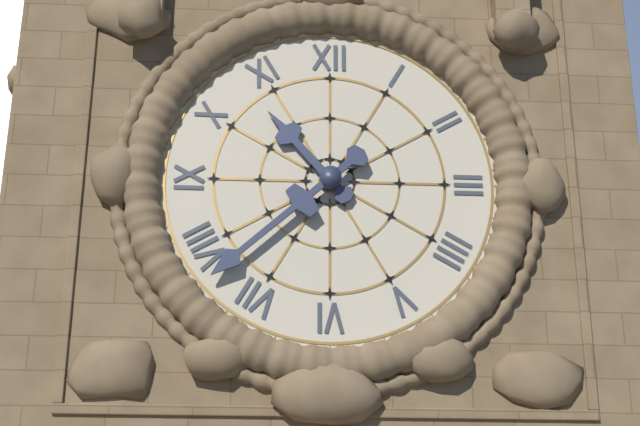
10:38
